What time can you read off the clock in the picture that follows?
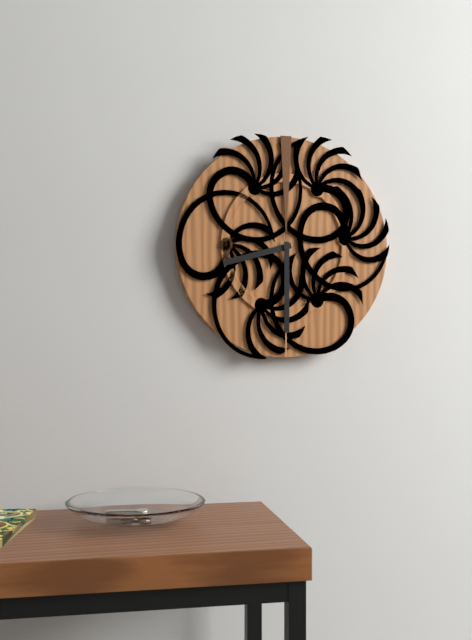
8:30
